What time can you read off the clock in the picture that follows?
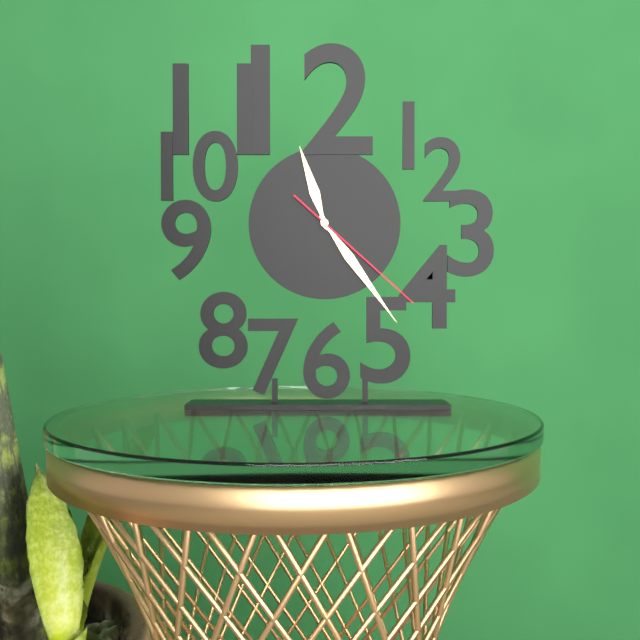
11:24:22
